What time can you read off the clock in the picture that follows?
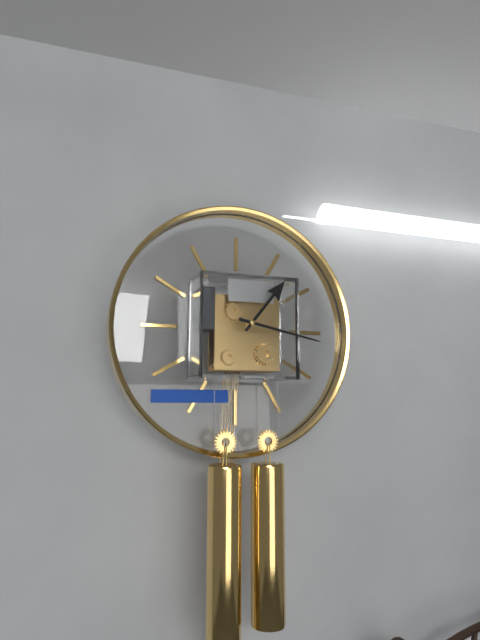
1:17
